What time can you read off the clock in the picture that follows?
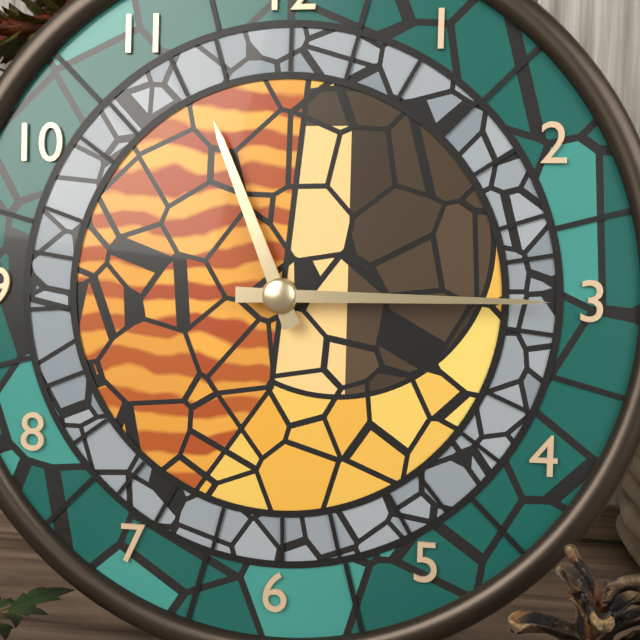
11:15
